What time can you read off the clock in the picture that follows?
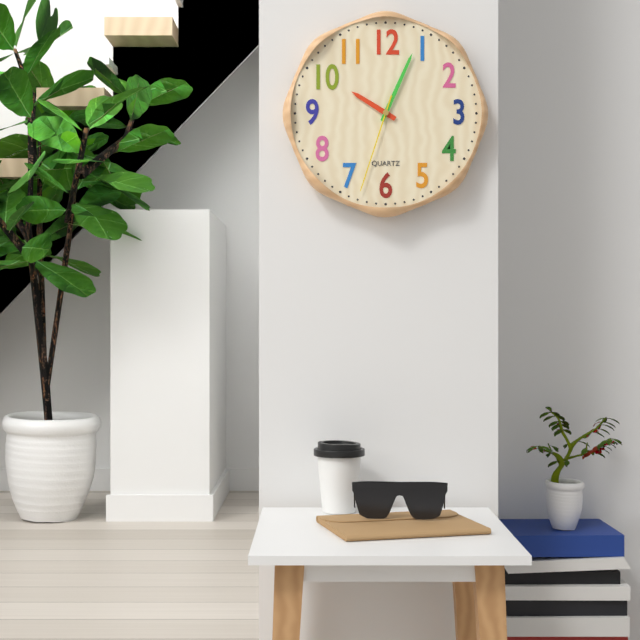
10:04:33
